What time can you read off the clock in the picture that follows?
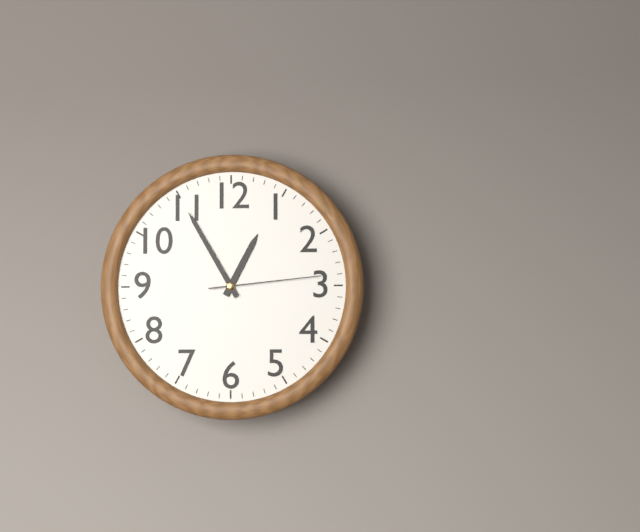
12:55:14
